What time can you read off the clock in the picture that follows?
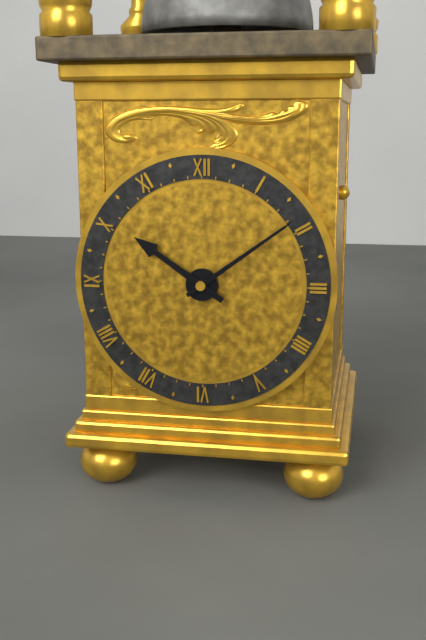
10:09
